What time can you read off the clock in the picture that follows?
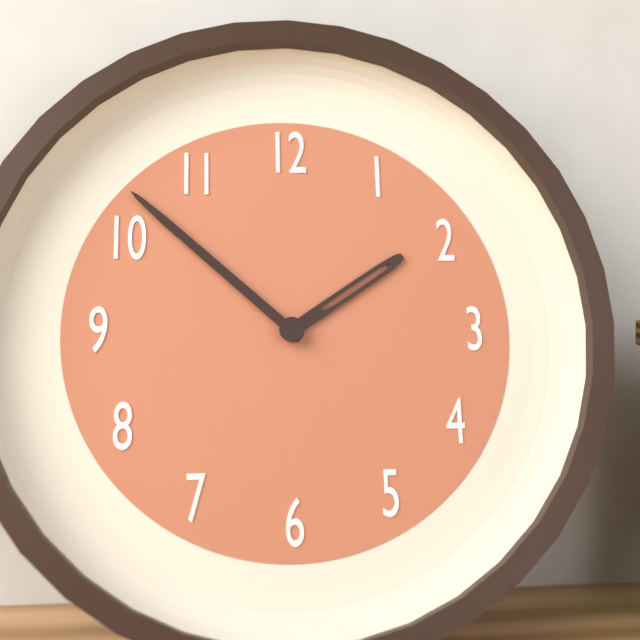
1:52
